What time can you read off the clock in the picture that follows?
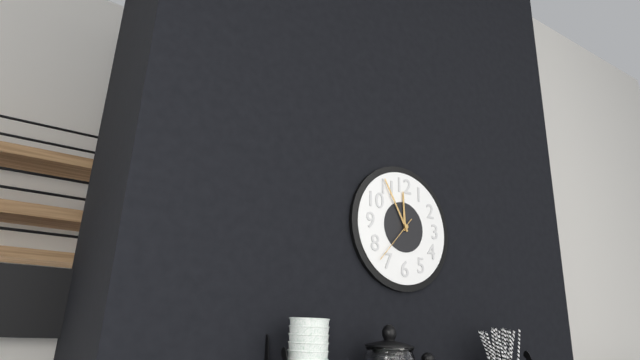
11:55:37
